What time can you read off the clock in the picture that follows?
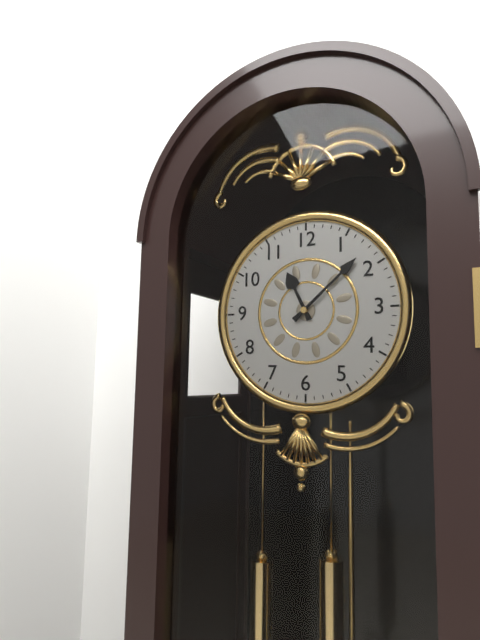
11:08
